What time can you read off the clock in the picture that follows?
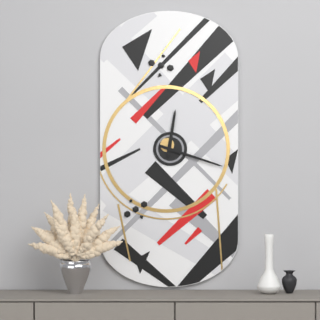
12:18
